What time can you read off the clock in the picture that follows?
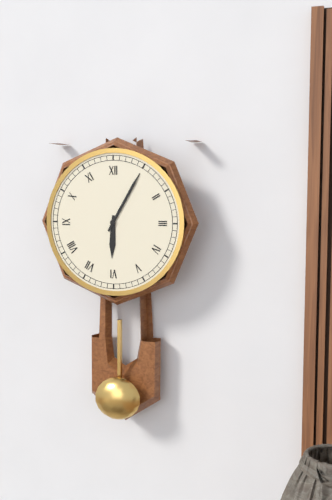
6:05
